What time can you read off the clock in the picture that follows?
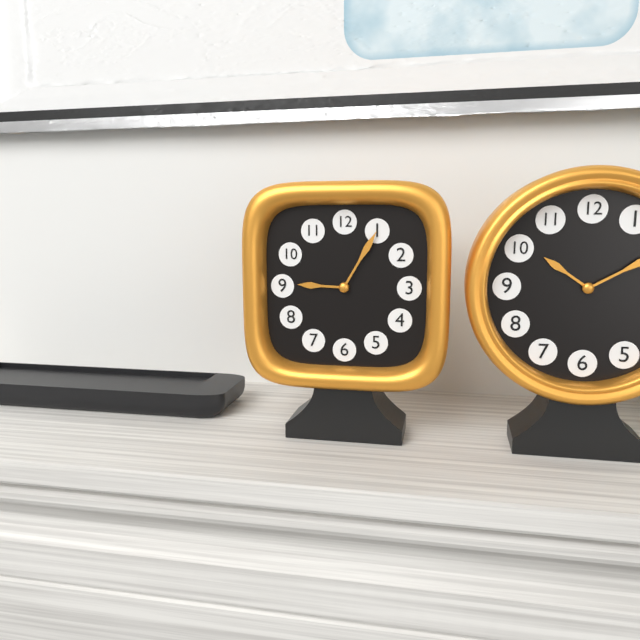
9:05
